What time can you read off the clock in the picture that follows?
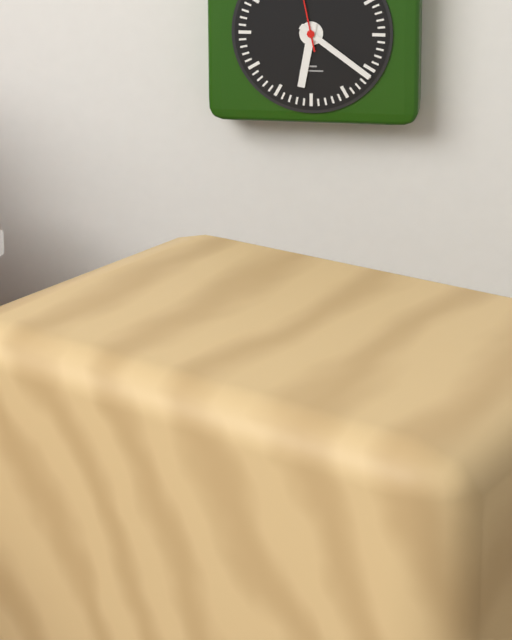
6:21
